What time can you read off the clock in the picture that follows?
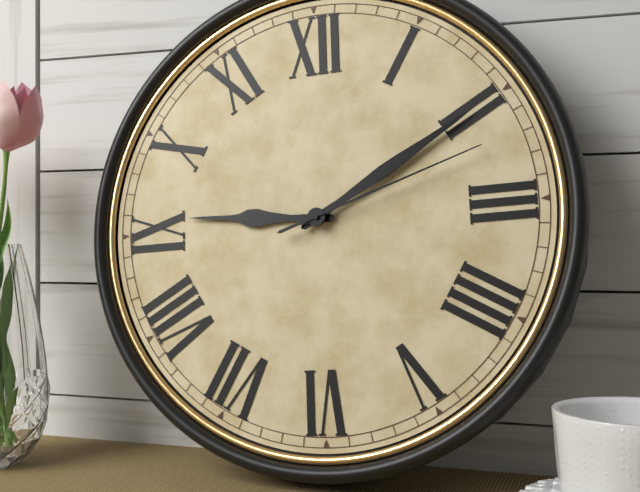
9:10:12
